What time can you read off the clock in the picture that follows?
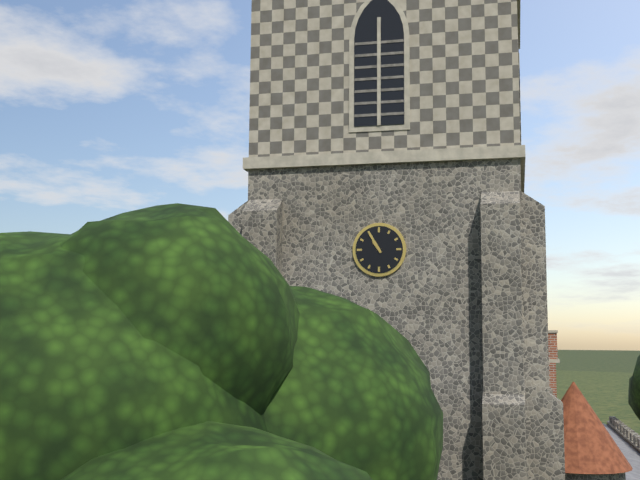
10:55
